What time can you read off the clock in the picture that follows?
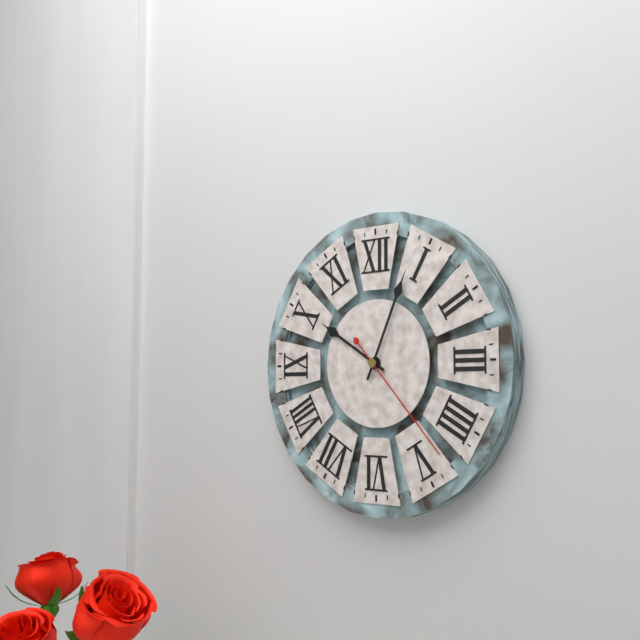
10:04:23
